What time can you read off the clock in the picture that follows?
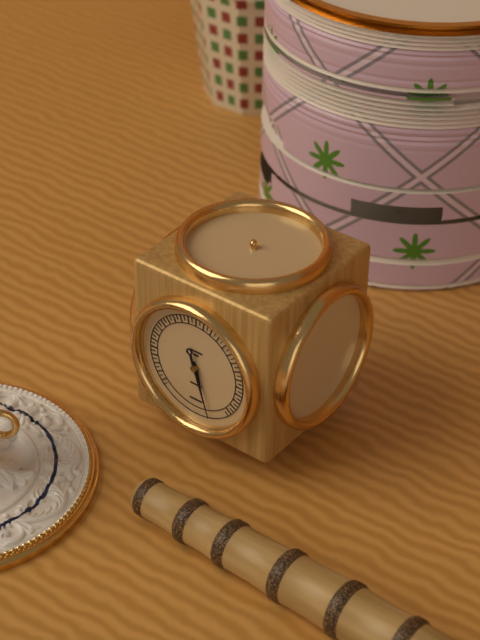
5:27
